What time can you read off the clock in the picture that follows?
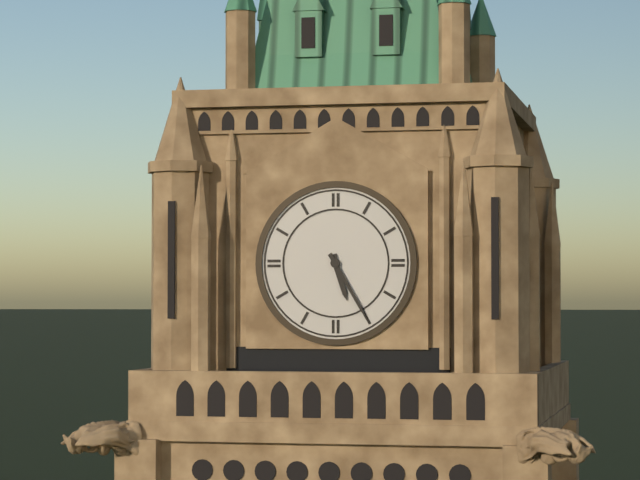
5:25
